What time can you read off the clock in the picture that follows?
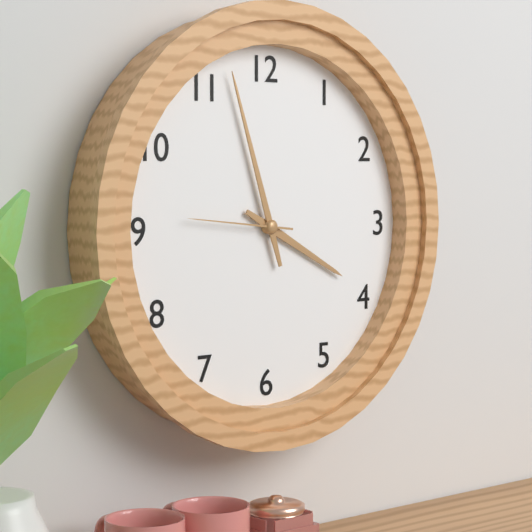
3:57:46
